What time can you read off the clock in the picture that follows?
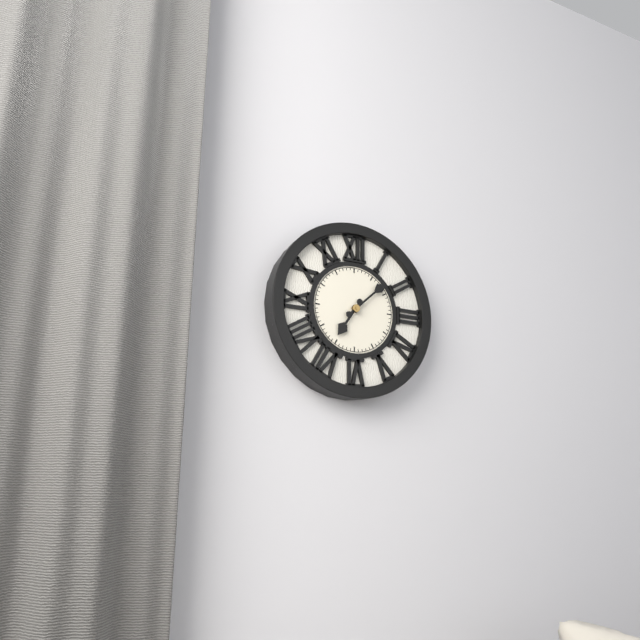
7:08
